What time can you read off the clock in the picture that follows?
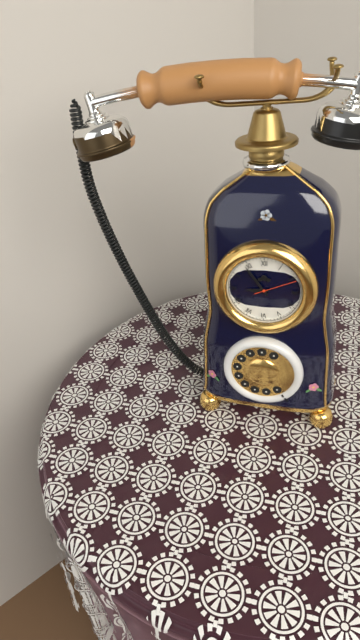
8:54
